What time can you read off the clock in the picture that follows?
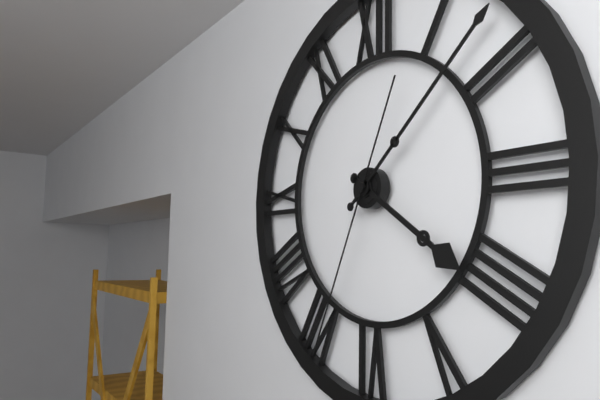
4:08:34
